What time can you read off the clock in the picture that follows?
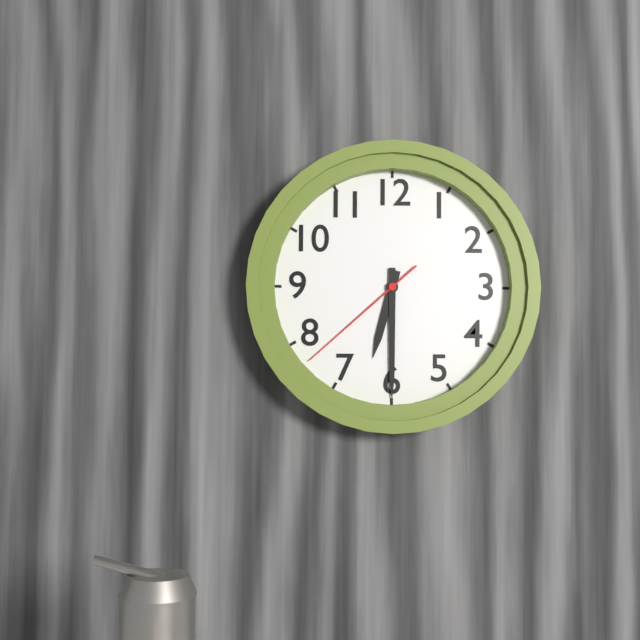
6:30:38
